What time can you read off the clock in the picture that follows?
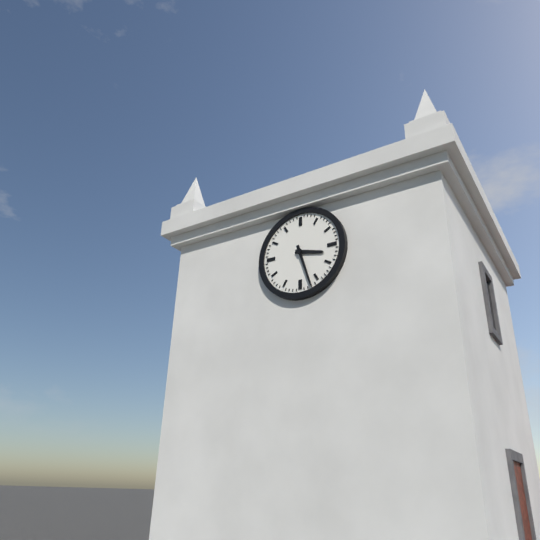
3:27
